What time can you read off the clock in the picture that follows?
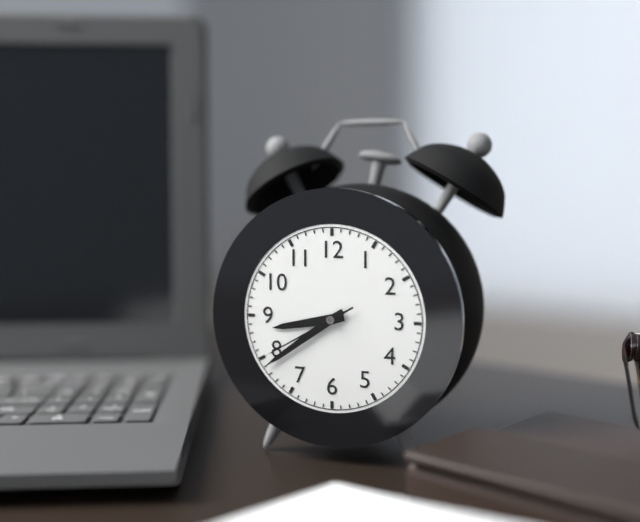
8:39:40
